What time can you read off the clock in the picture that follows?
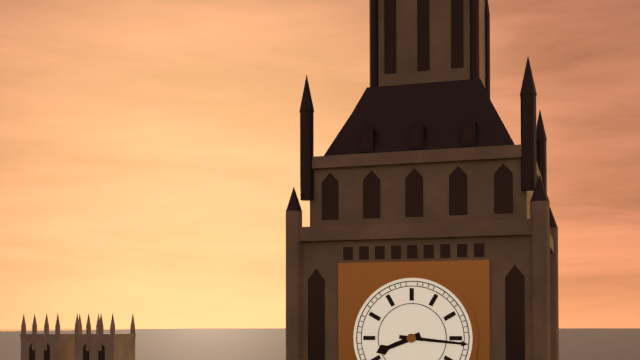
8:16
